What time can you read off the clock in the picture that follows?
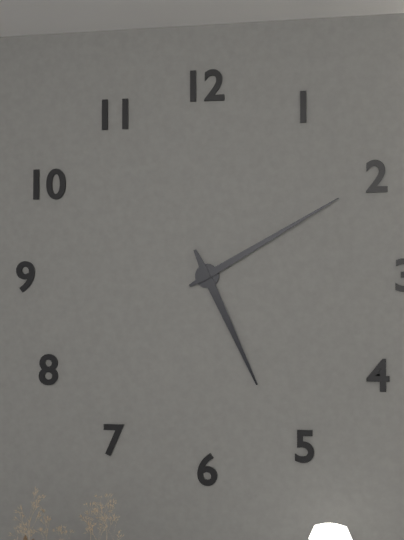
5:10
